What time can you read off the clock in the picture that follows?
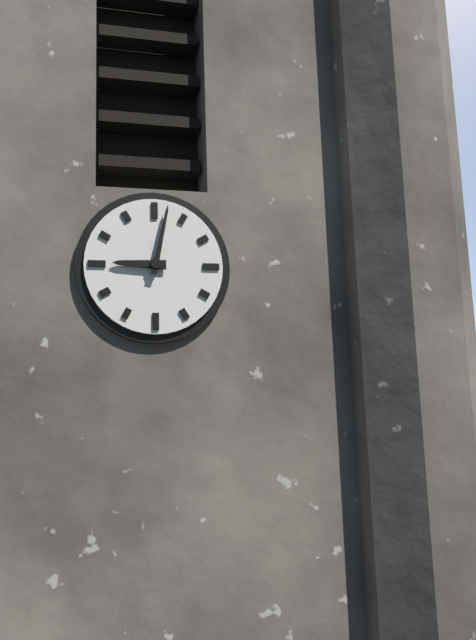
9:02
